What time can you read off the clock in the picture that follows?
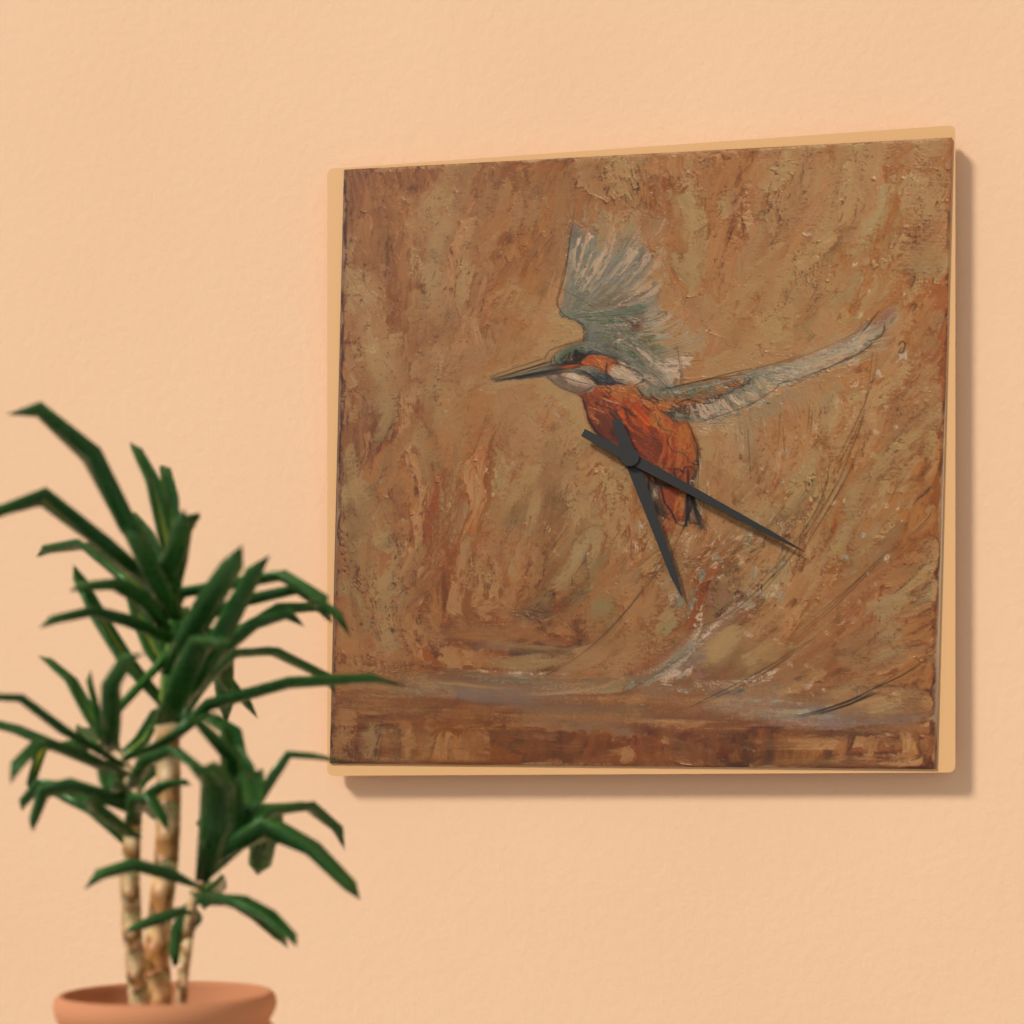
5:20
